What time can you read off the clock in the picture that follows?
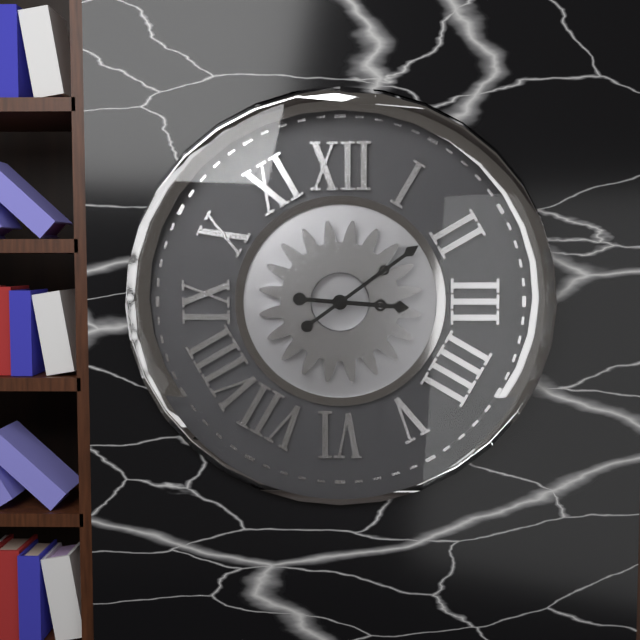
3:09
